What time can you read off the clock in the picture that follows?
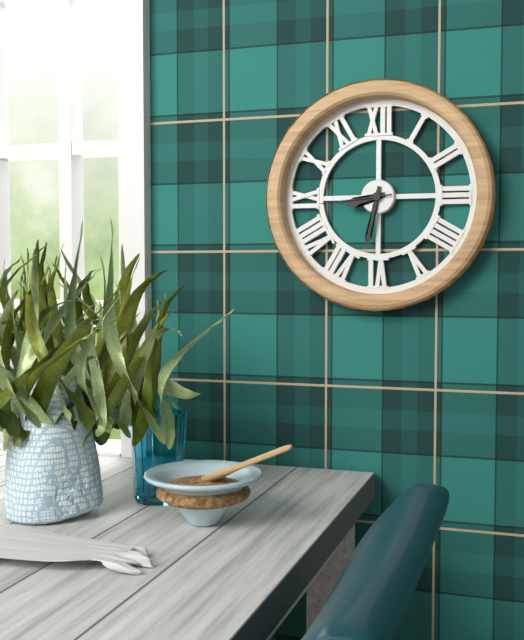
8:32:44
